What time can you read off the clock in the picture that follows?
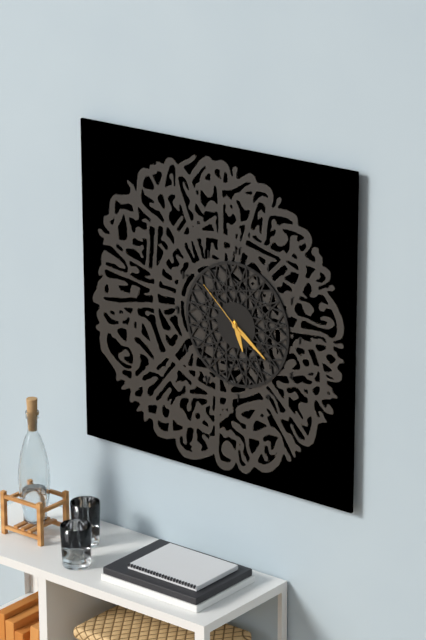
5:21:52
